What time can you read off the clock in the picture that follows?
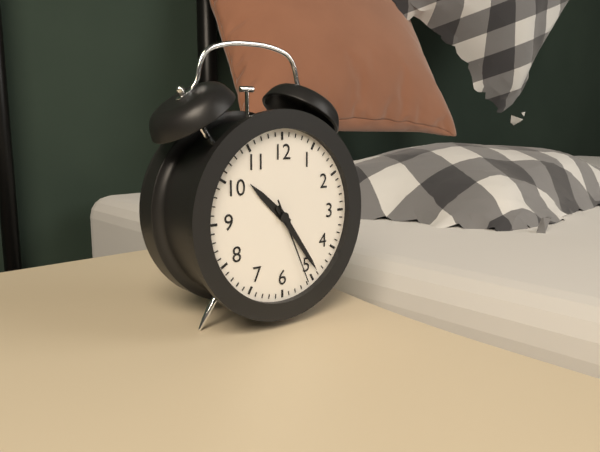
10:24:26
